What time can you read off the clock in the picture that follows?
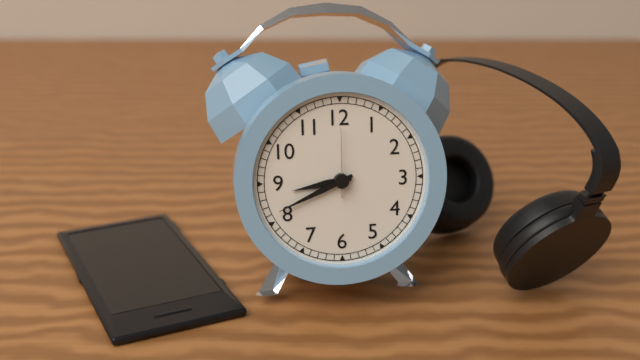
8:41:00
